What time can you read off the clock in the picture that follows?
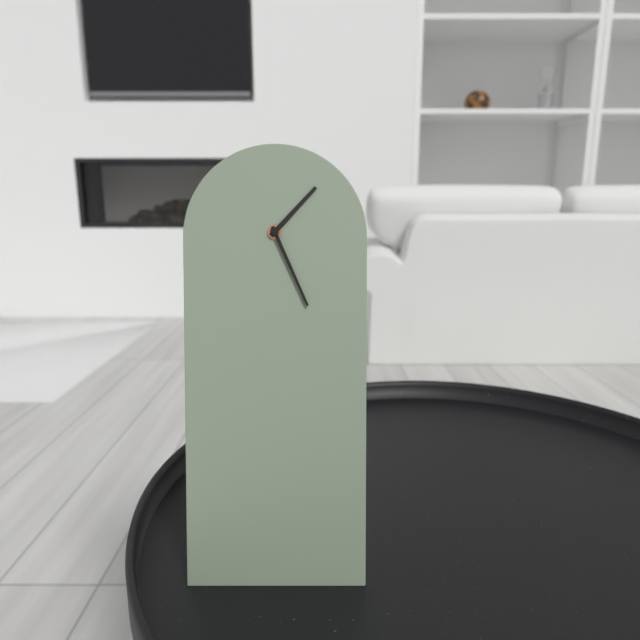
1:26
